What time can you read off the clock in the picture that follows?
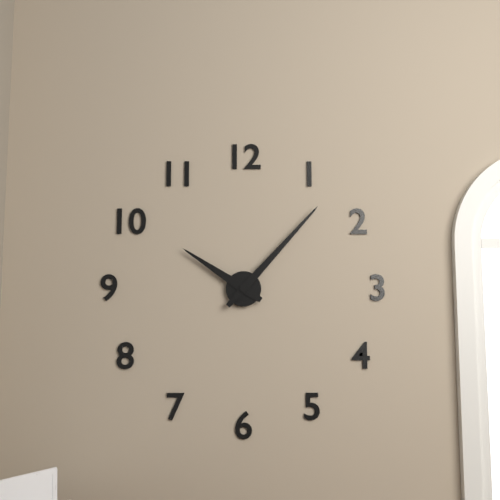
10:07
